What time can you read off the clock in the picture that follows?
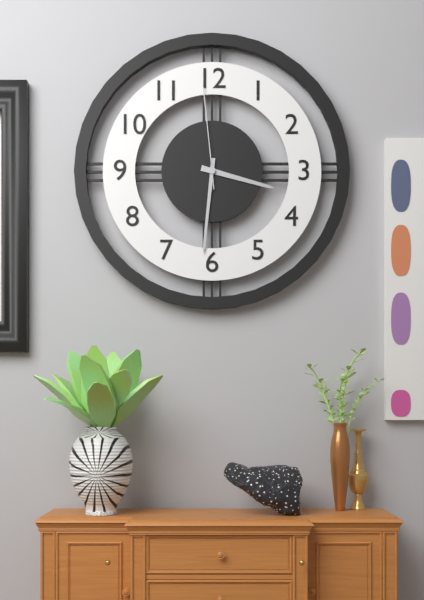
3:31:59
